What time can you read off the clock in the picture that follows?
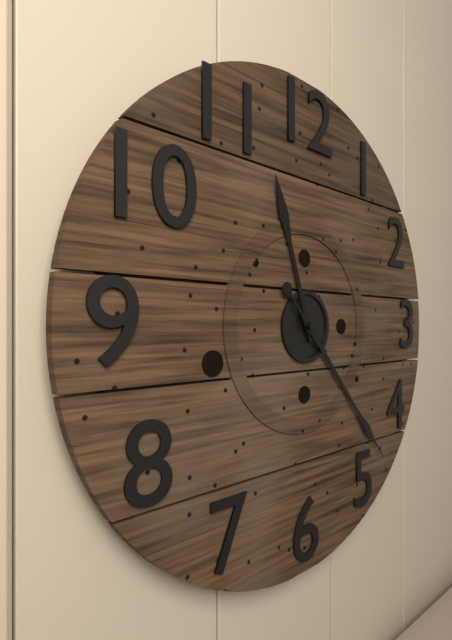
11:23
